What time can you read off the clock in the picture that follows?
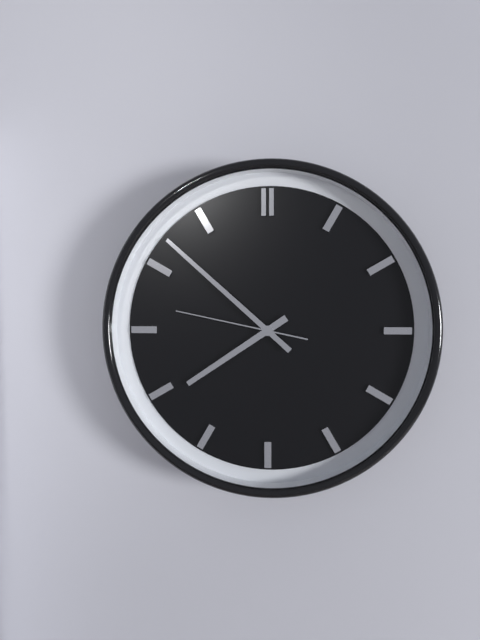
7:52:47
